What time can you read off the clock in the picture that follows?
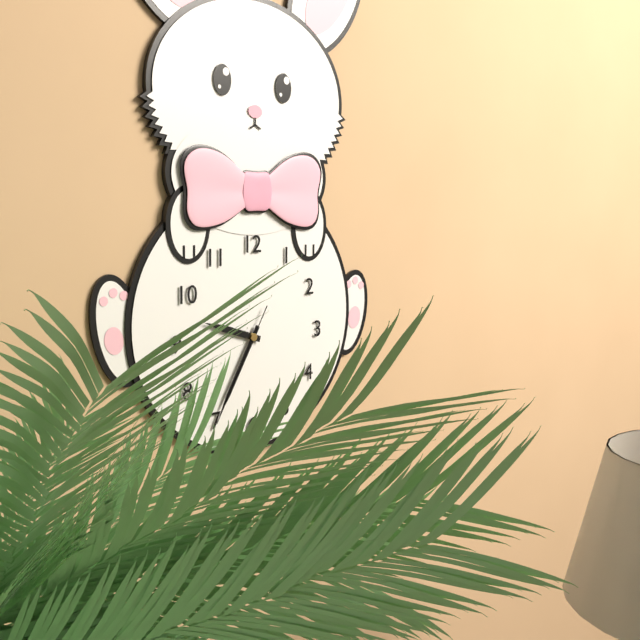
9:35:35
